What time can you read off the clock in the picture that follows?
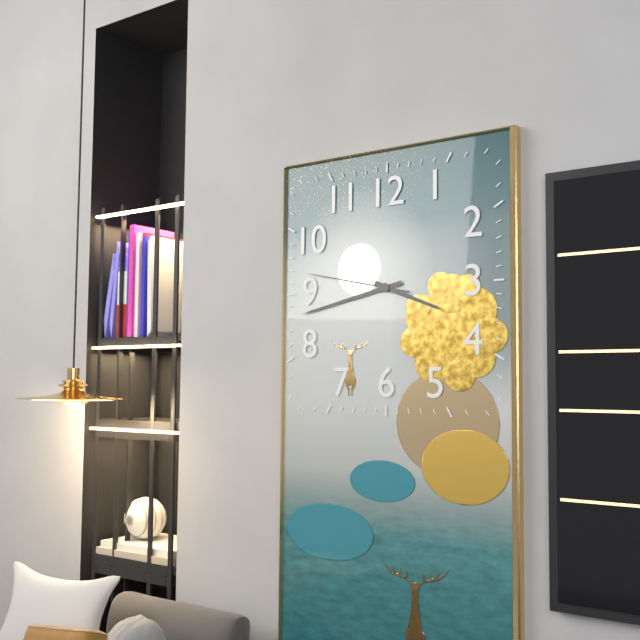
3:43:47
